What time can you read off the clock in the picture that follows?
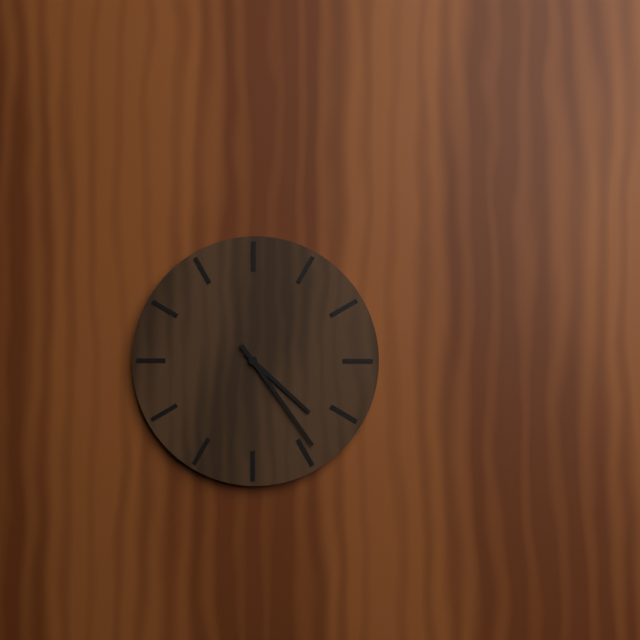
4:24
